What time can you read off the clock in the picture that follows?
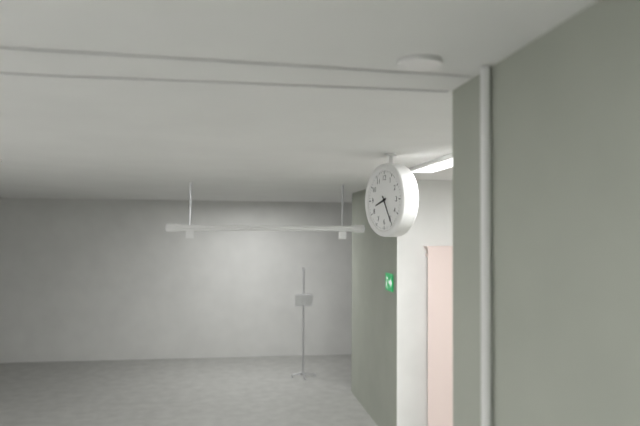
8:25
